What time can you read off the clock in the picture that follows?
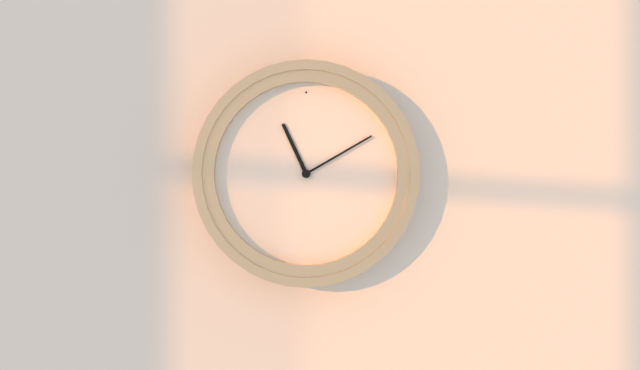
11:10
